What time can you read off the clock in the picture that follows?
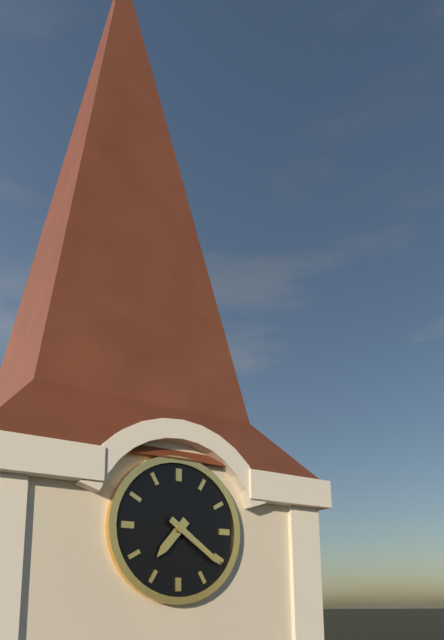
7:21
